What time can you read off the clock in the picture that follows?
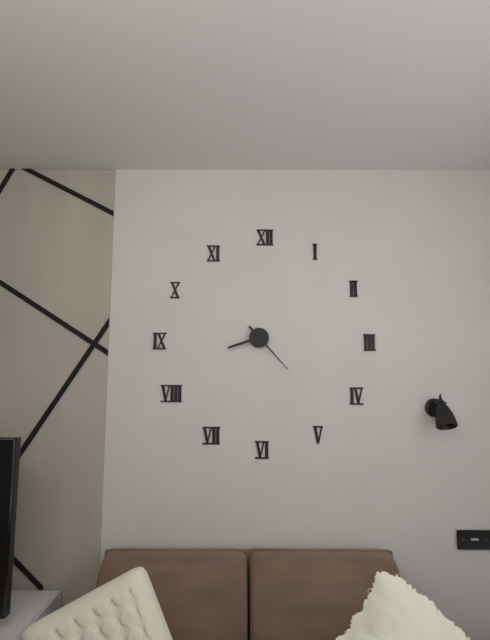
8:23
